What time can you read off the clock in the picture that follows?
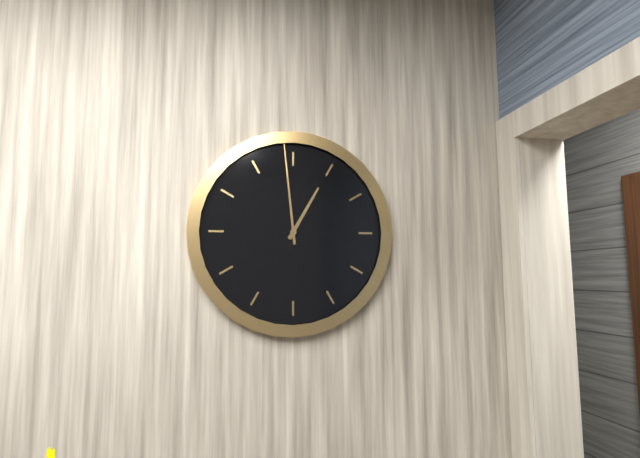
12:59
